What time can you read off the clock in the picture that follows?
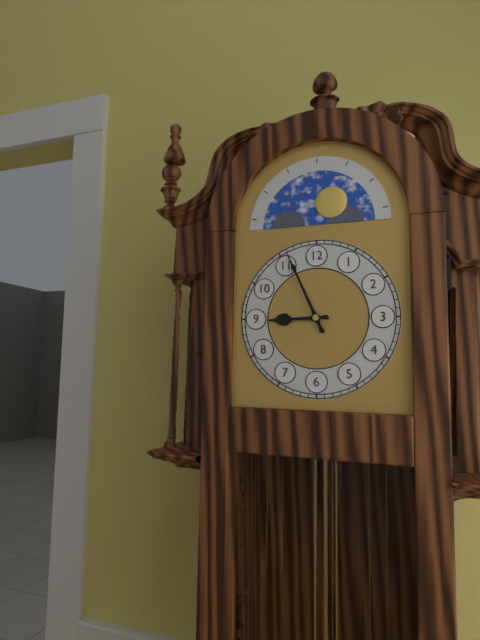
8:56
